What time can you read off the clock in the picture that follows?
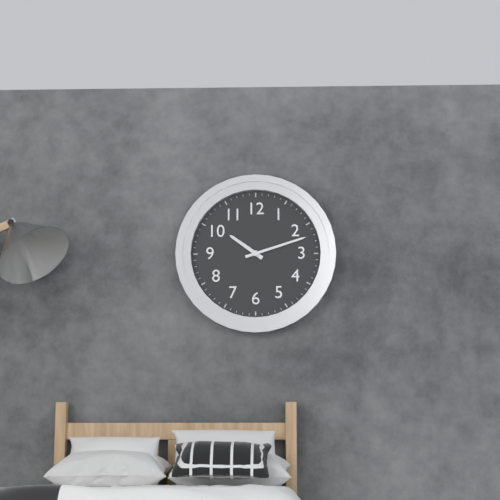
10:12
